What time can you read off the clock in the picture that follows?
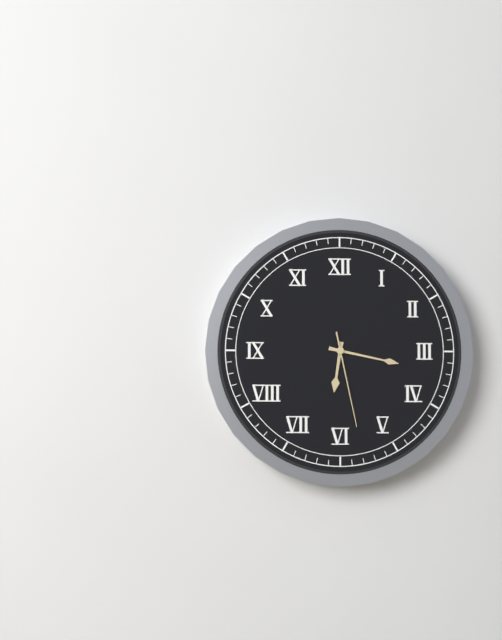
6:17:28
